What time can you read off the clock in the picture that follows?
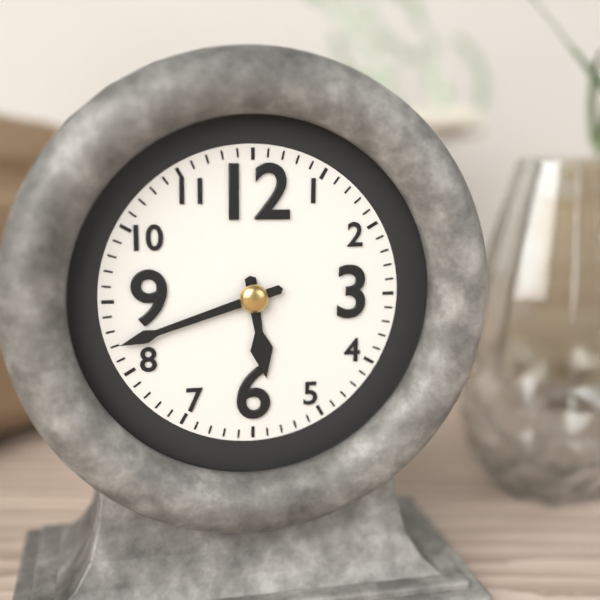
5:42
